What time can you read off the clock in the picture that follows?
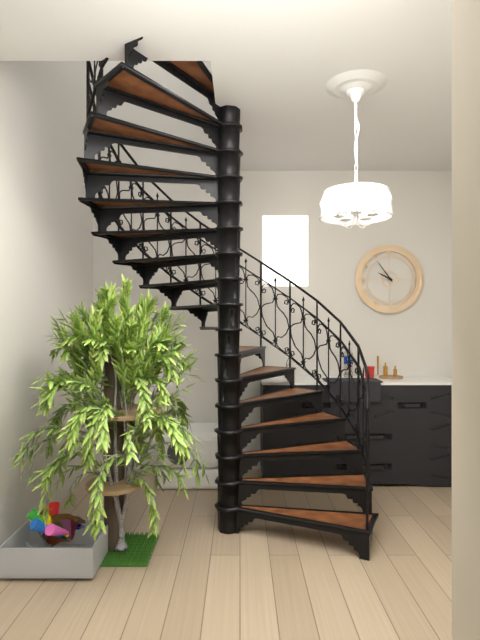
9:54
